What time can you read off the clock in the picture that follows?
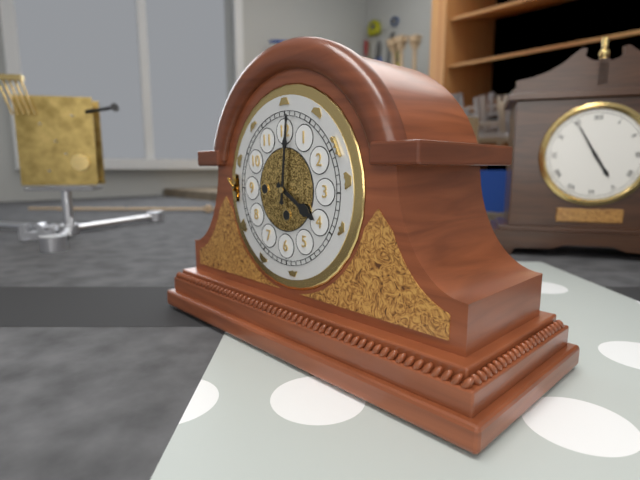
4:01
